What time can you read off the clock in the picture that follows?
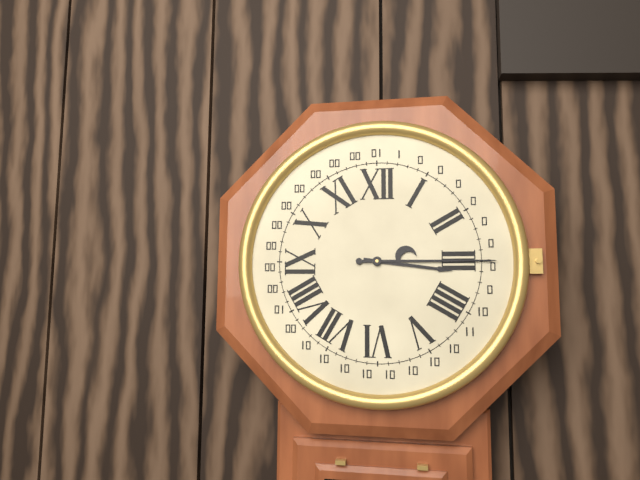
3:15
